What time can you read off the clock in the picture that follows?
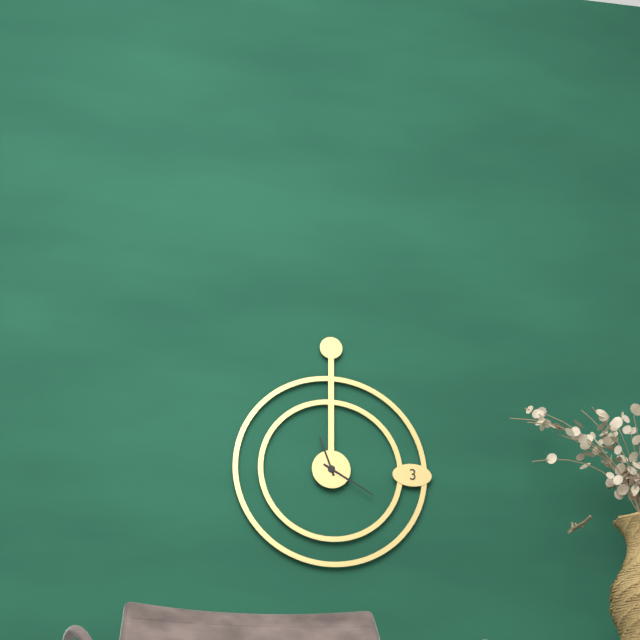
11:20
